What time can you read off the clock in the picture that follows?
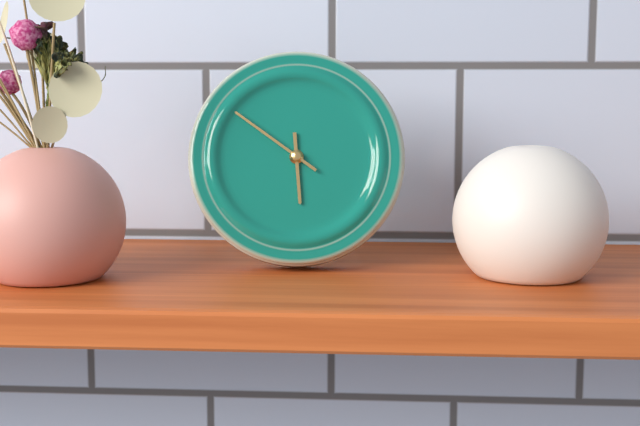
5:51
